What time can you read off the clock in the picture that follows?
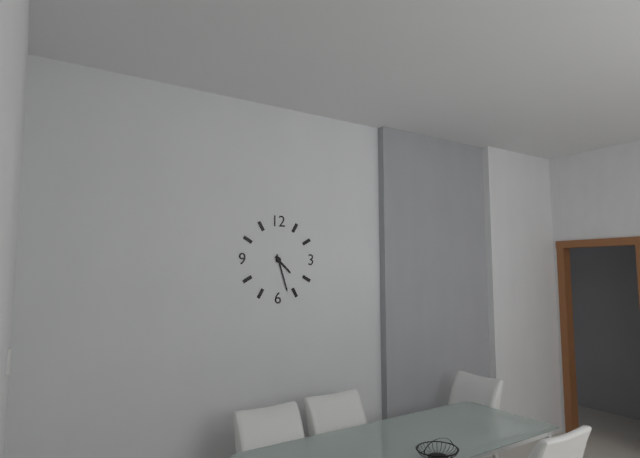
4:27
